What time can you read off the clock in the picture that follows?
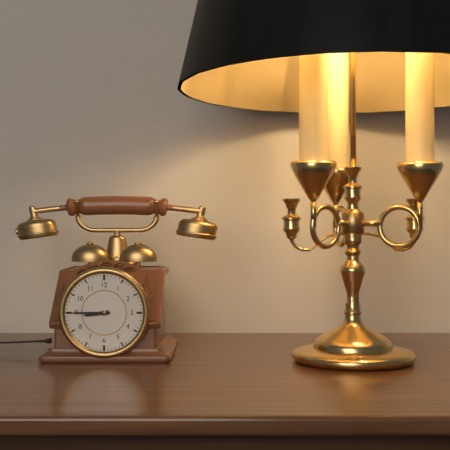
8:45
